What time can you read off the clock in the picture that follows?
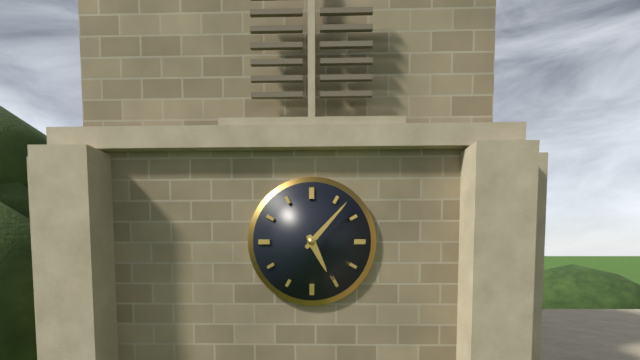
5:07
